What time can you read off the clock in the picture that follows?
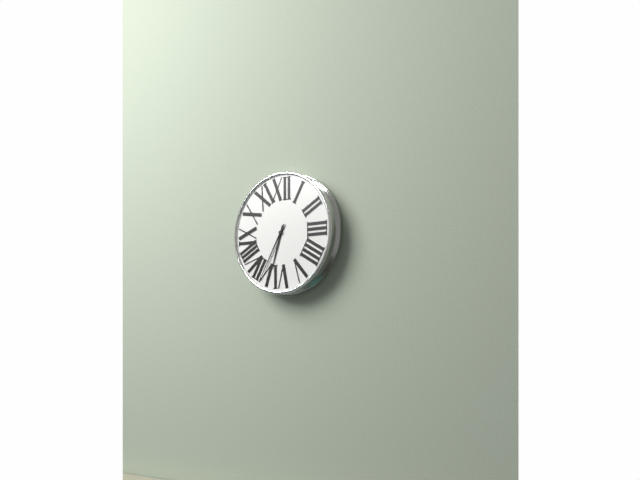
6:35
